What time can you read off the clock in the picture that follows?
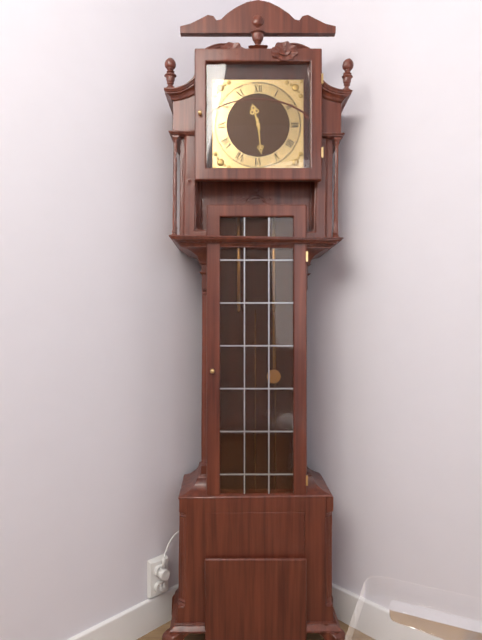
11:29
